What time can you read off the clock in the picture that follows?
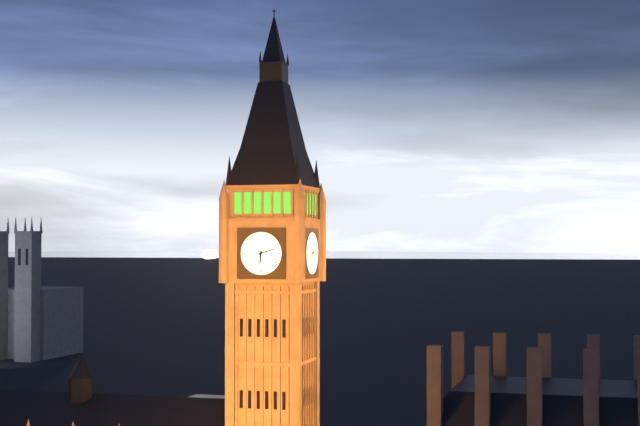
6:12
